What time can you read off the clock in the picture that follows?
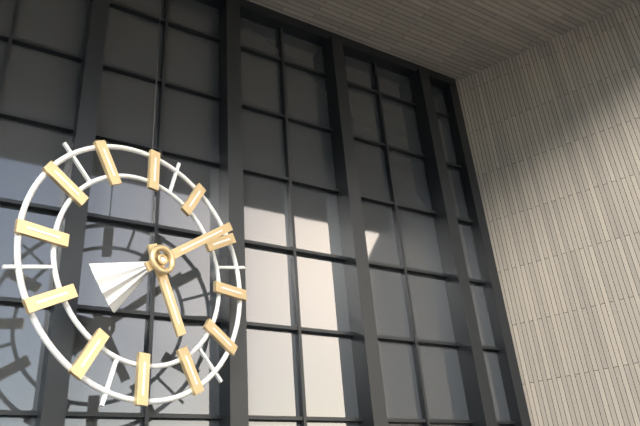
5:09
